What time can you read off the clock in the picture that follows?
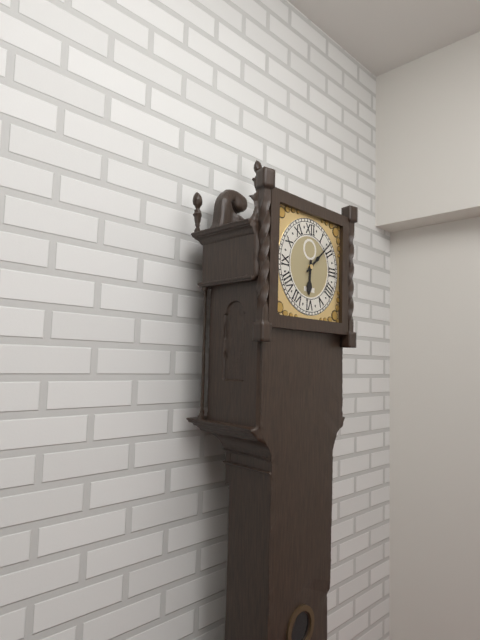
6:08
